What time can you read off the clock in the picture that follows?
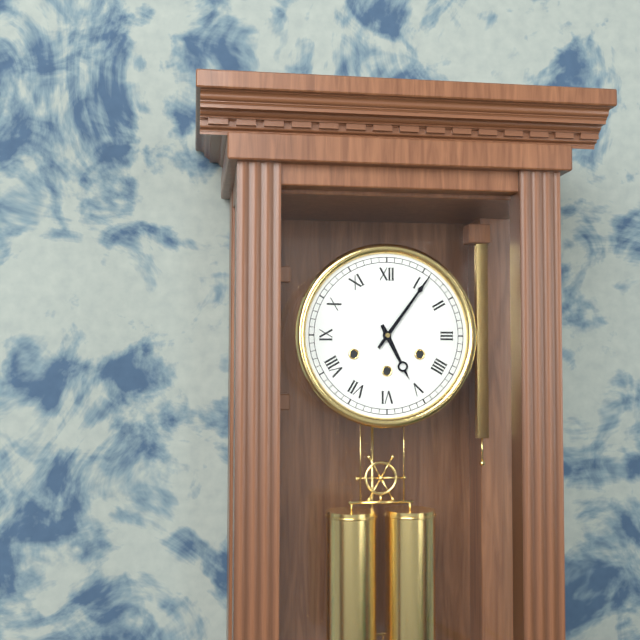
5:06
